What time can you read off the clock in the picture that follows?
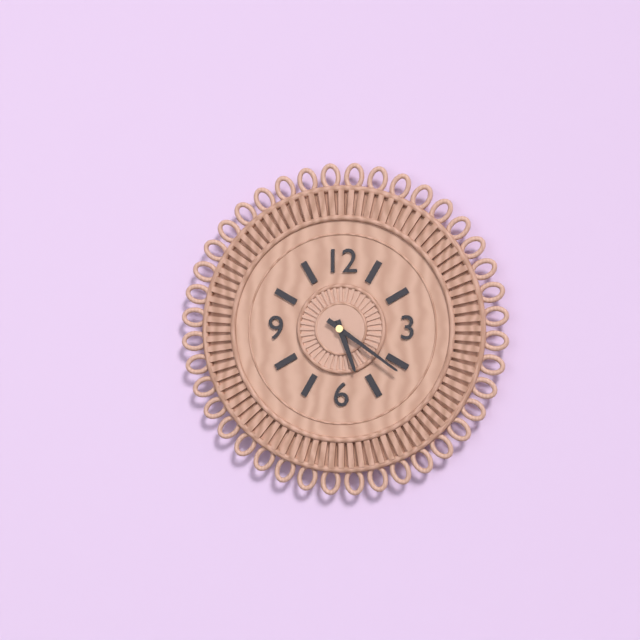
5:21
